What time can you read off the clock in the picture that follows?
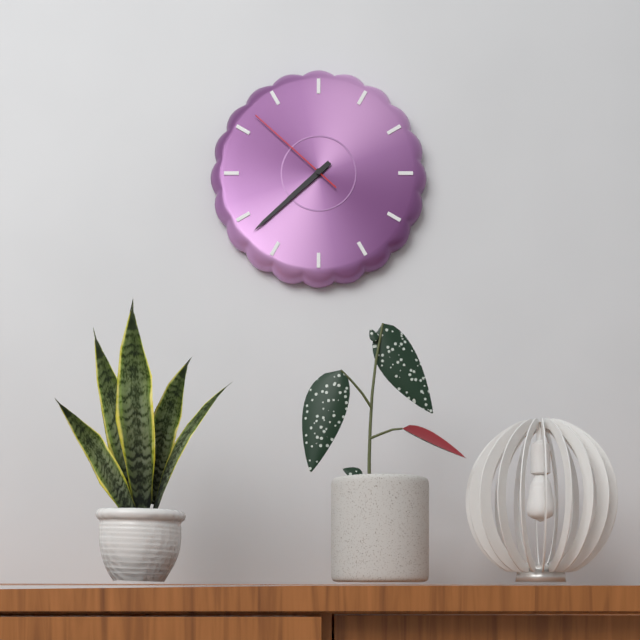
7:38:52
